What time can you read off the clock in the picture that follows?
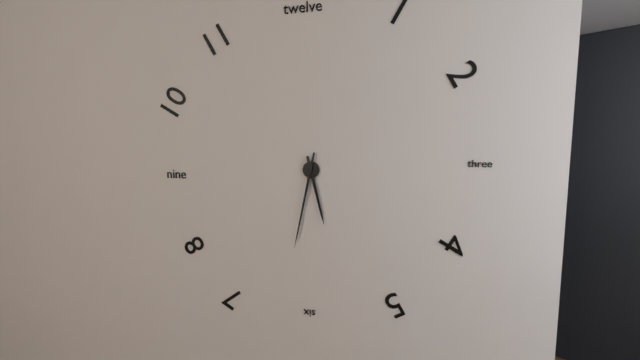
5:32
